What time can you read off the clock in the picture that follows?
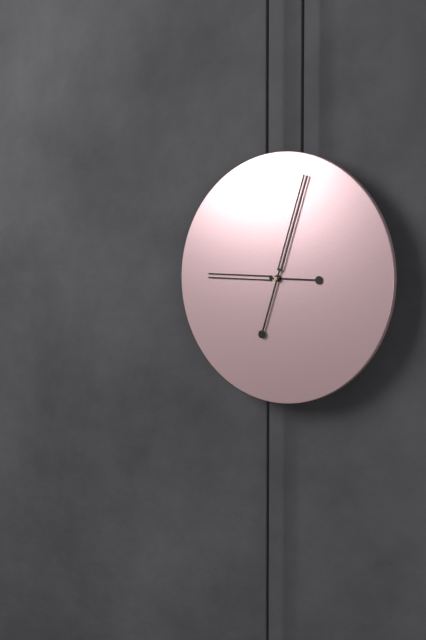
9:03
